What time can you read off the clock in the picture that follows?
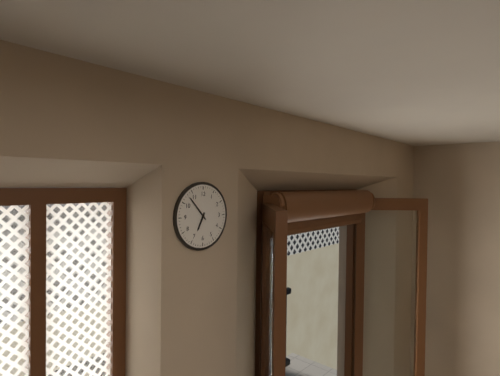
6:53
